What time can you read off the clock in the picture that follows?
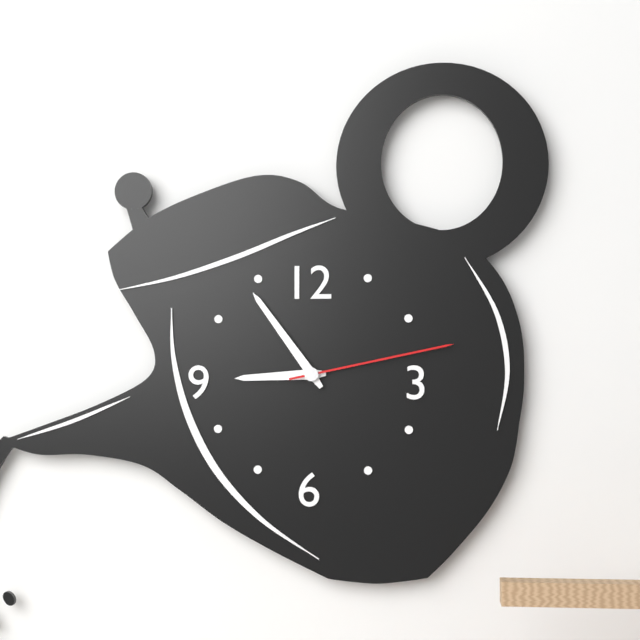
8:54:13
